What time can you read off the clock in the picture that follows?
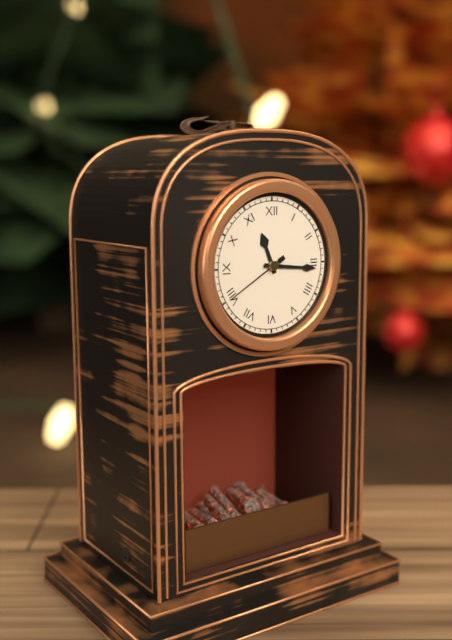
11:16:40
